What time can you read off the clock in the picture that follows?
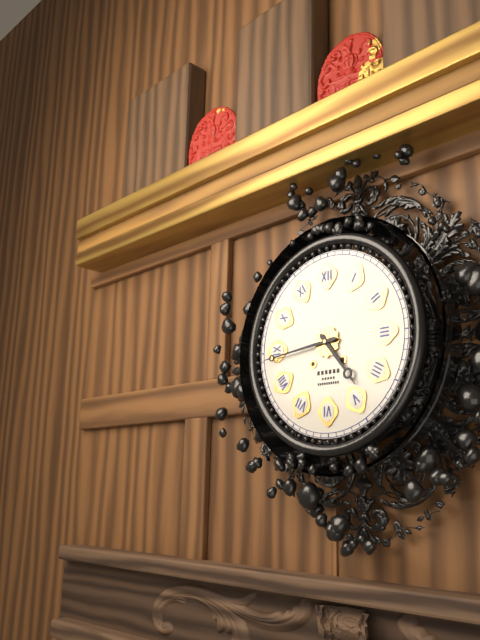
4:44
